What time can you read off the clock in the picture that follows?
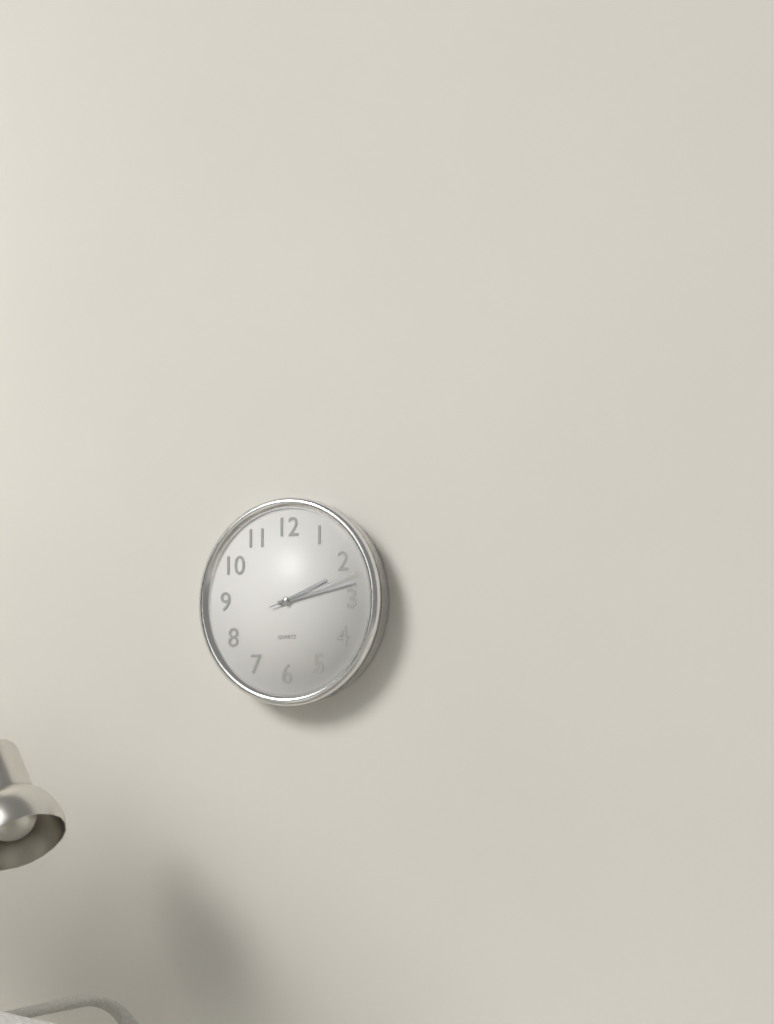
2:13:12
